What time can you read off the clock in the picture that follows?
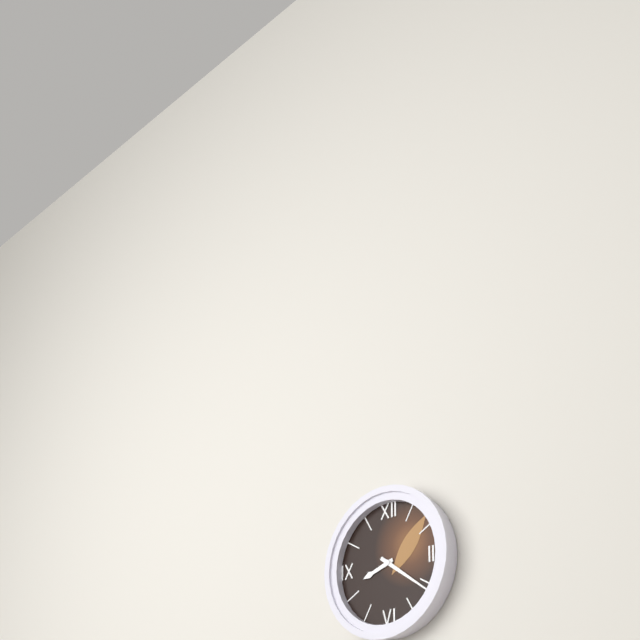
8:21
